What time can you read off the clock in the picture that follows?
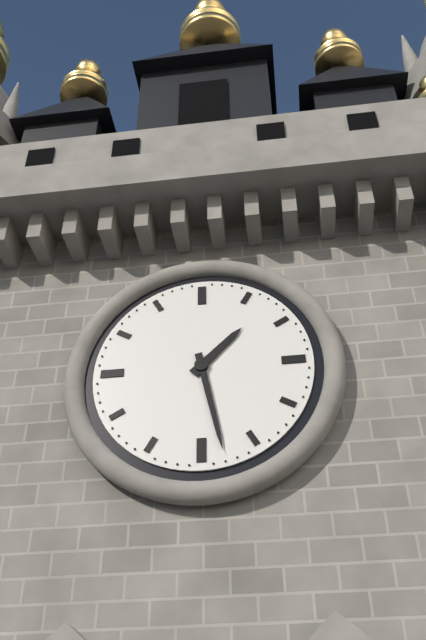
1:28
